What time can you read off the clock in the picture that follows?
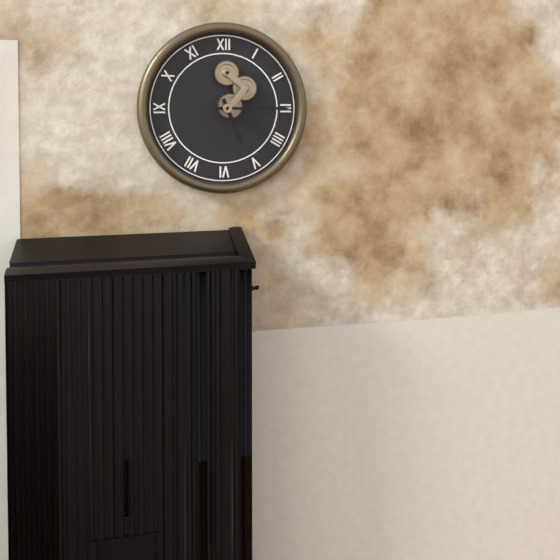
5:15
